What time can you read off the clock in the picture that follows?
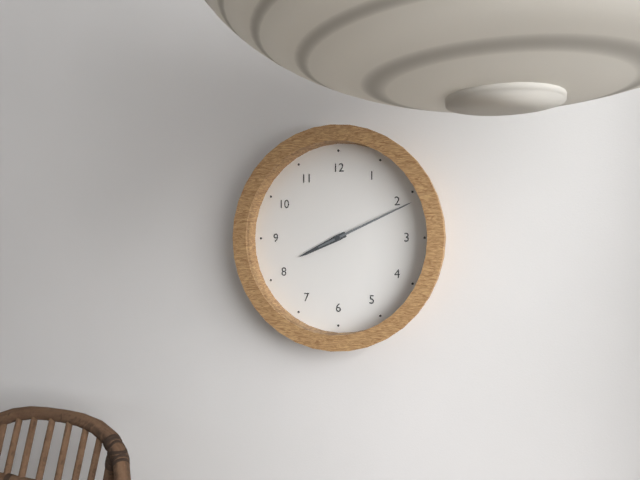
8:11
